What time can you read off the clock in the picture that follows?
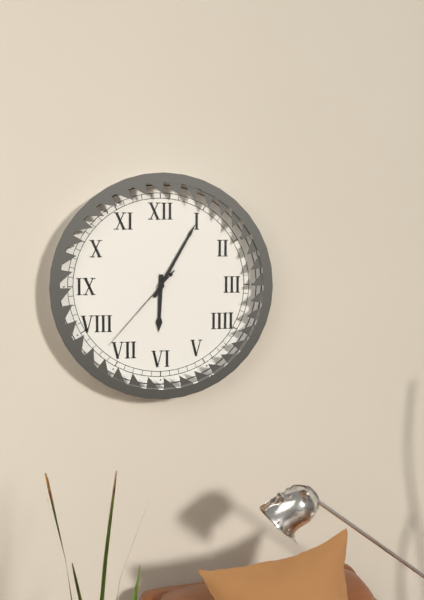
6:05:37
